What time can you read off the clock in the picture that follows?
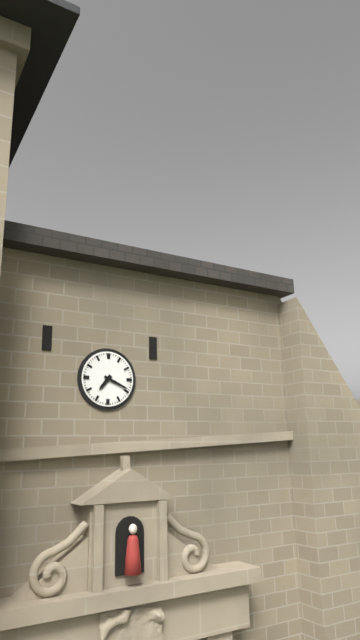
7:19
